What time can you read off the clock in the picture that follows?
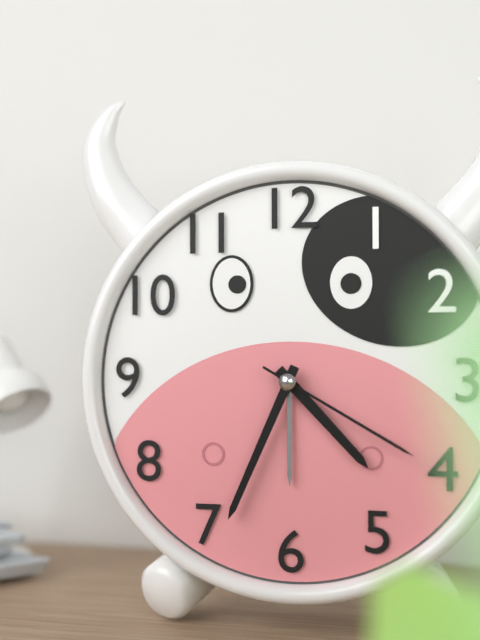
4:34:20
